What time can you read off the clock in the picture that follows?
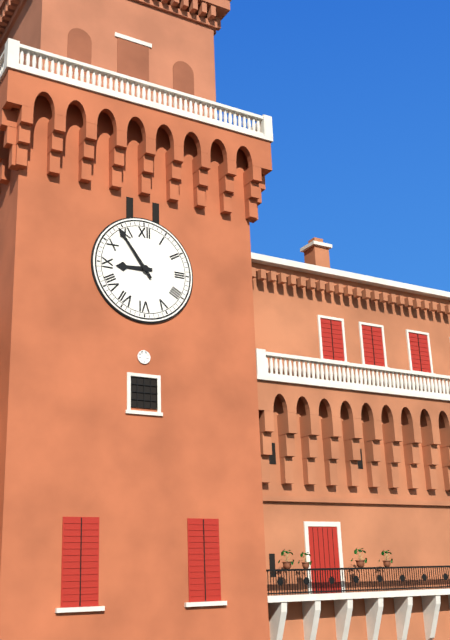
8:54
